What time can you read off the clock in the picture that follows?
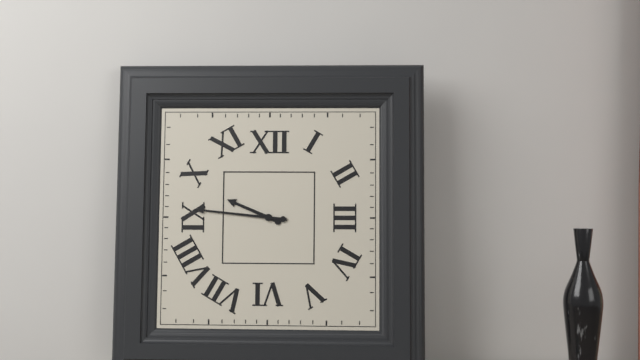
9:46
